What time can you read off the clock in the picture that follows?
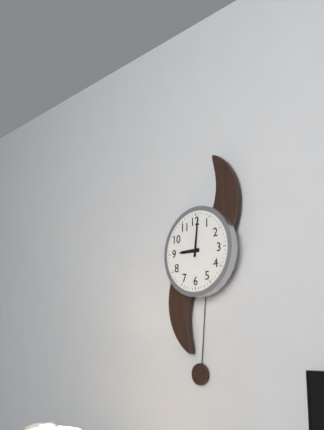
9:01
